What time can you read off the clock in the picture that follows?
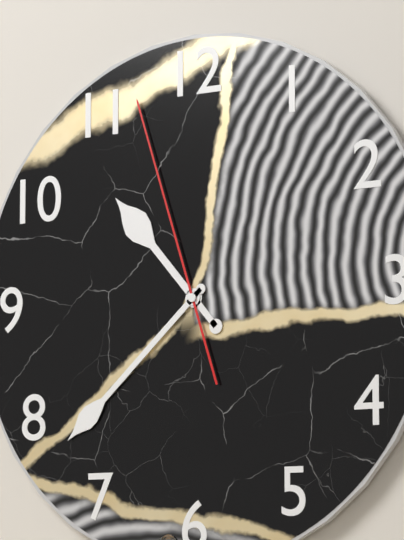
10:38:57
